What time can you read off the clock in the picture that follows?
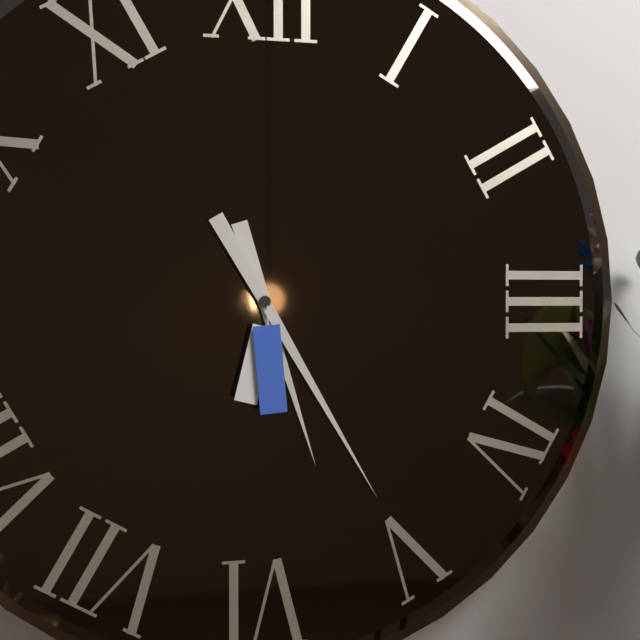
5:25
